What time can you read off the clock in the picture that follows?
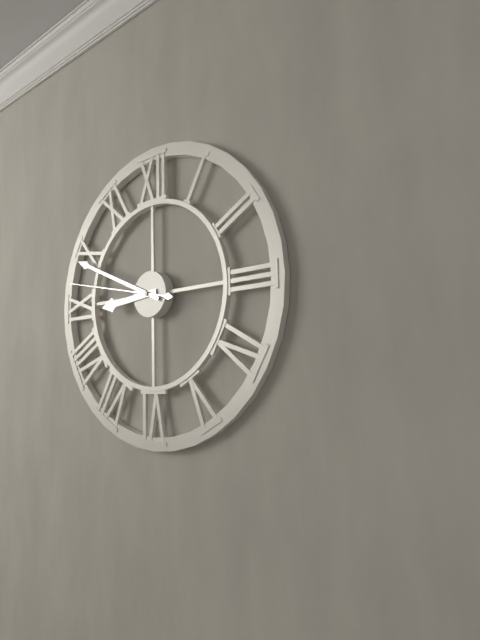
8:49:47
